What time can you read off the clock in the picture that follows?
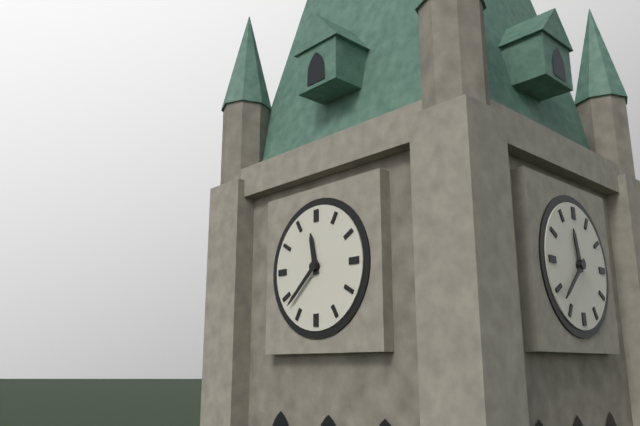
11:38
